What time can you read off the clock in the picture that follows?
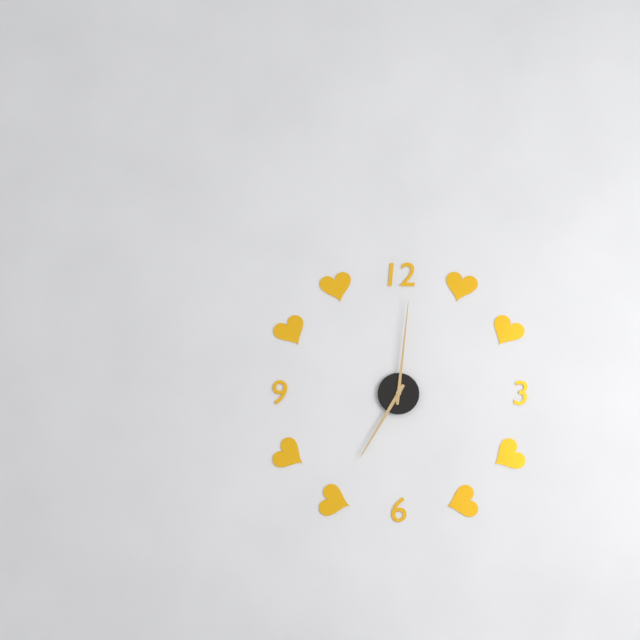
7:01
